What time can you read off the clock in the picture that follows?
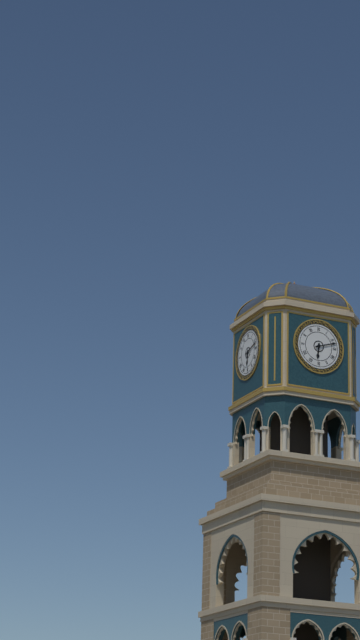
6:12
